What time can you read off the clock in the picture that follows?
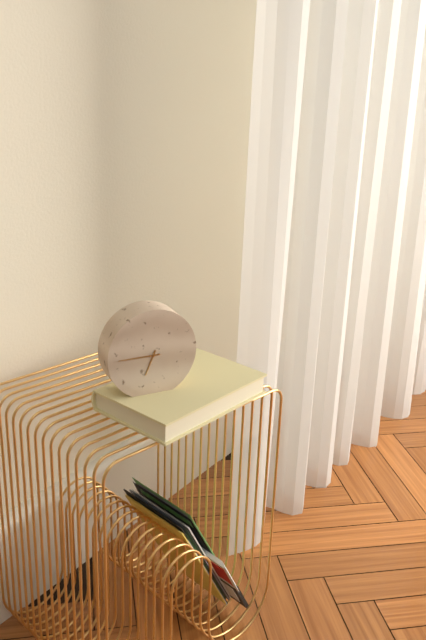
6:45
